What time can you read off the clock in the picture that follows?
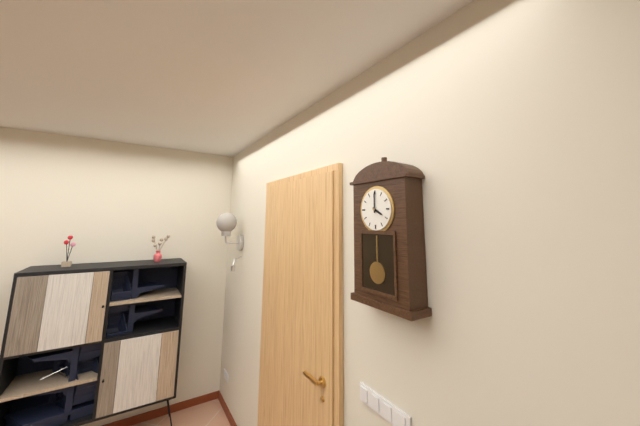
4:00
